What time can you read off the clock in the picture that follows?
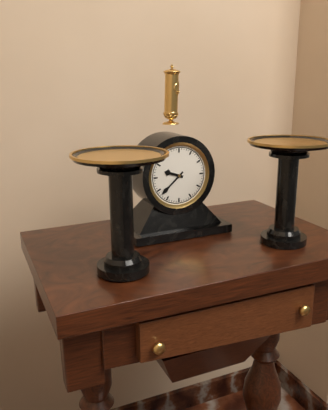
9:38
